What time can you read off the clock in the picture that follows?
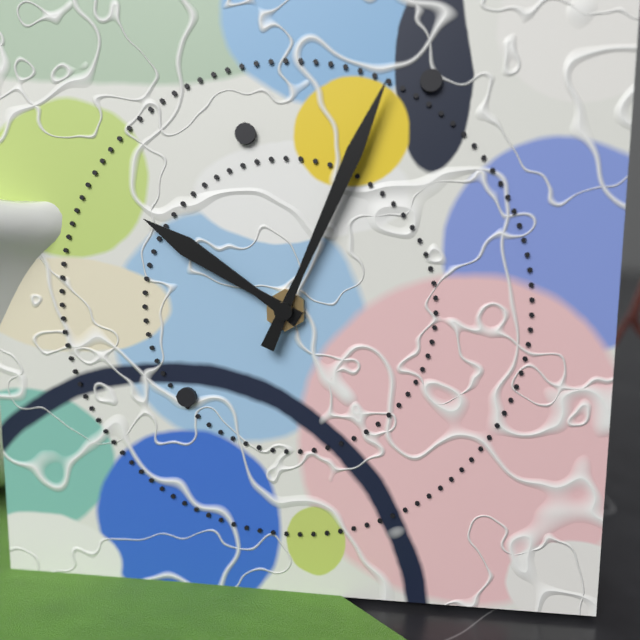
10:04
